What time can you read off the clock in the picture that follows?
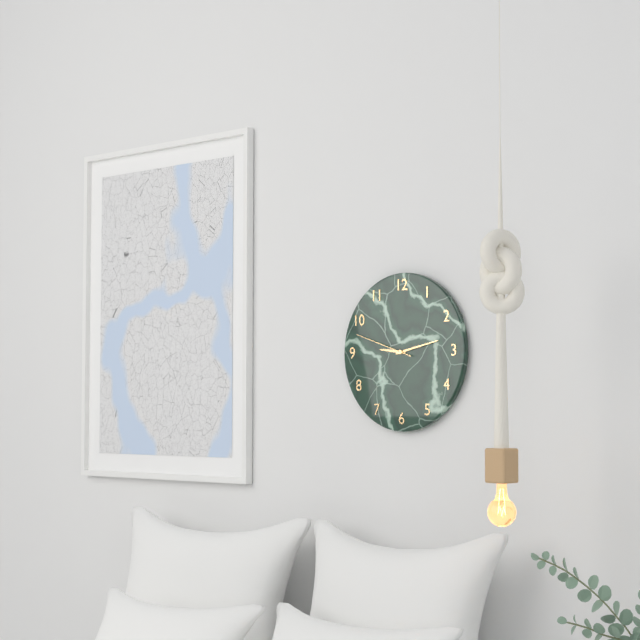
9:13:48
